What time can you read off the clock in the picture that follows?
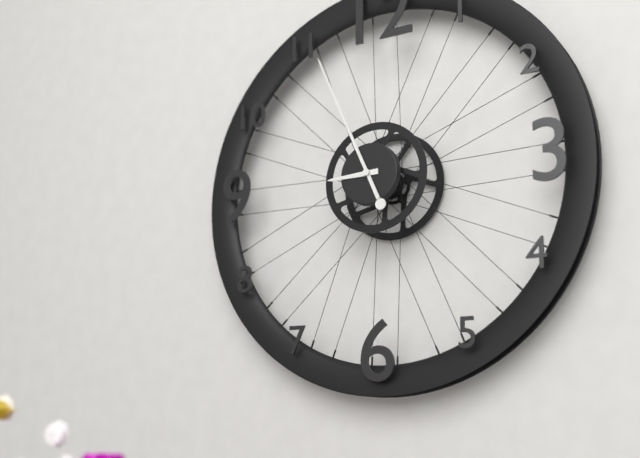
8:56
